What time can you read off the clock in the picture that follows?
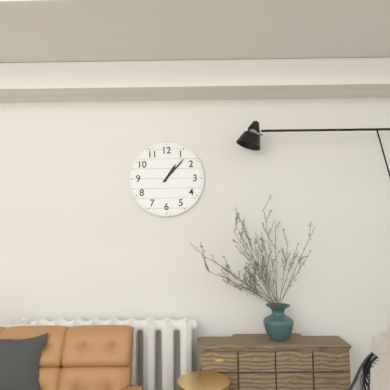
1:07
